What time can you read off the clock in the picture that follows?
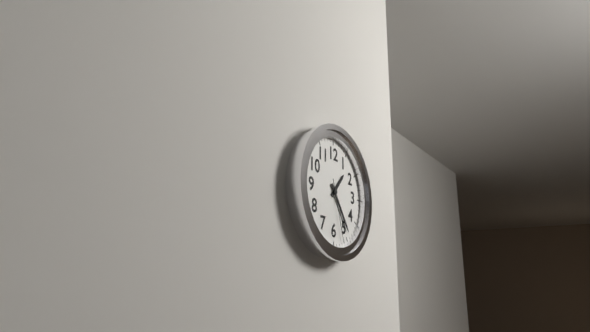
1:24:27
